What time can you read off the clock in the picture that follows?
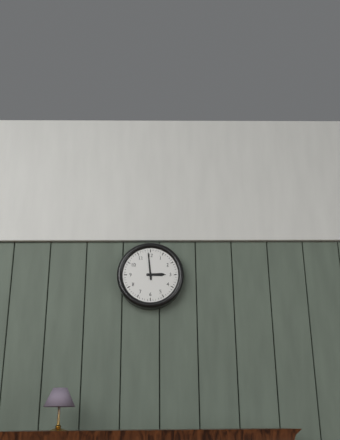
2:59
